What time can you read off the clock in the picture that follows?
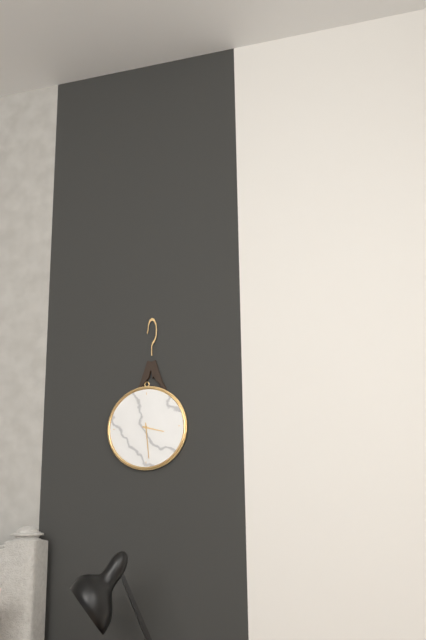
3:29
